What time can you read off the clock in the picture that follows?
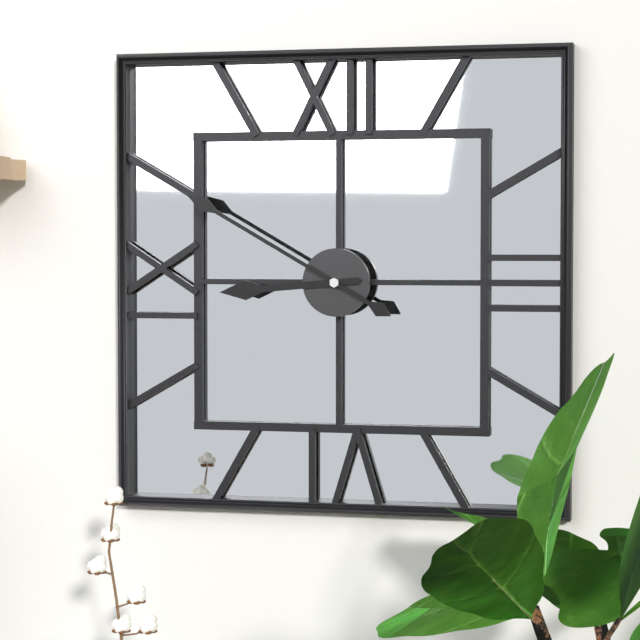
8:50
